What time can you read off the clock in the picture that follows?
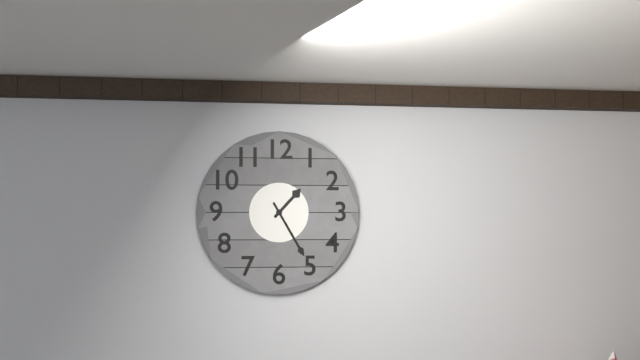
1:25
